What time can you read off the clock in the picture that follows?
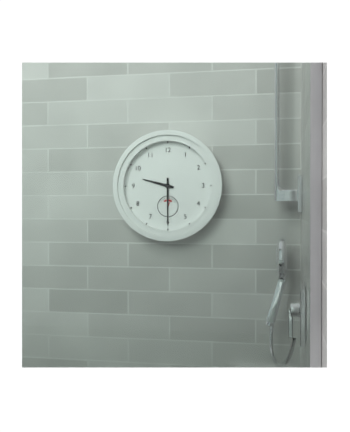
9:30
